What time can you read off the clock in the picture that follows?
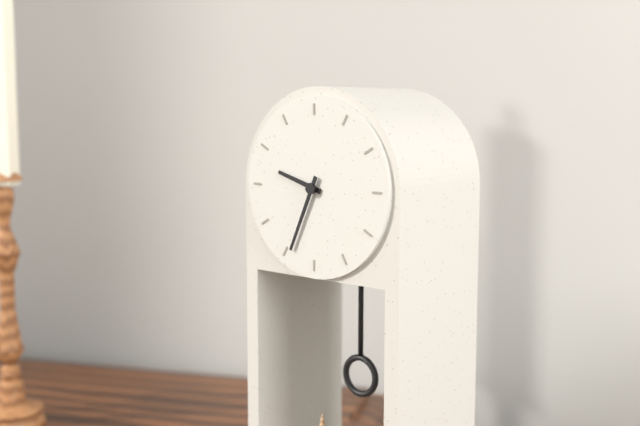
9:34
